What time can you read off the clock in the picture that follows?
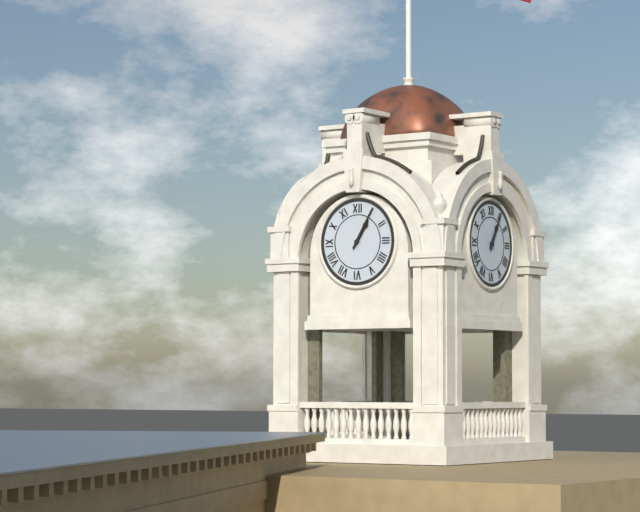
1:05
